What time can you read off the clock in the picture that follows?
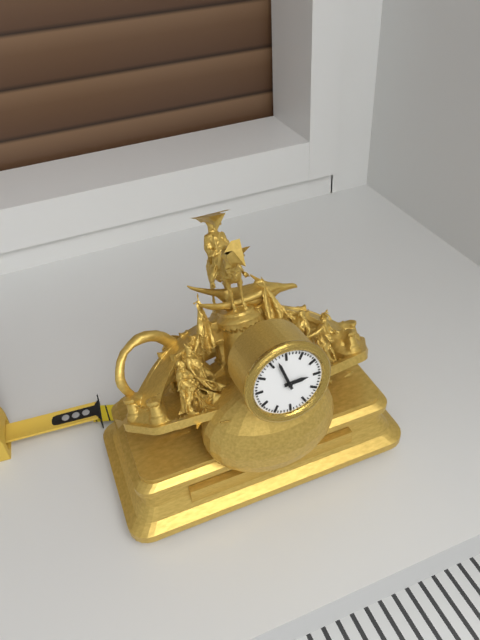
2:57
